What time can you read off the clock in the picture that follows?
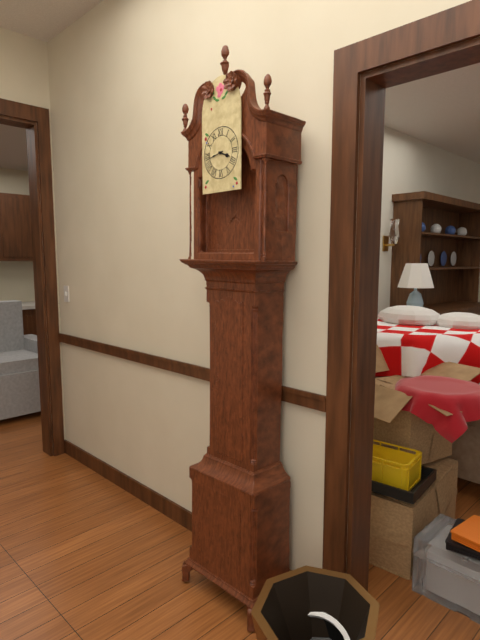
3:43
